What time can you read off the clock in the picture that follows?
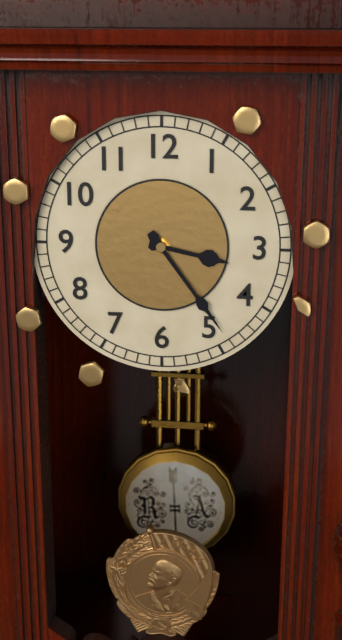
3:24
